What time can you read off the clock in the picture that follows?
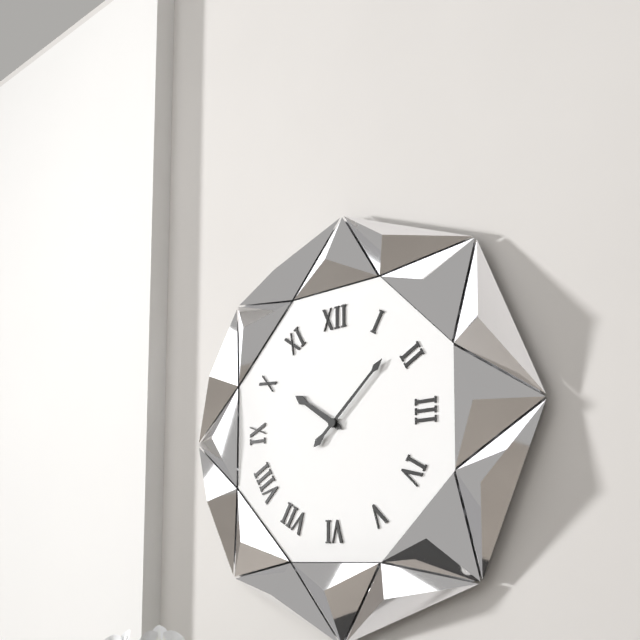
10:08
